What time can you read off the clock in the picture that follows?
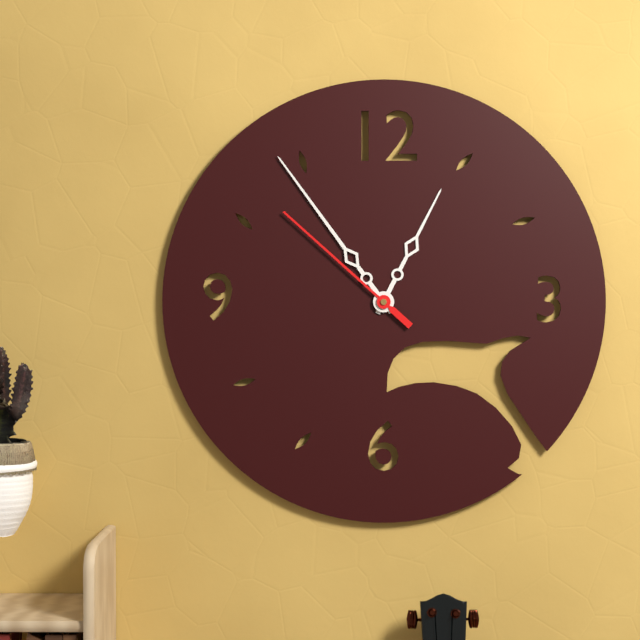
12:54:52
